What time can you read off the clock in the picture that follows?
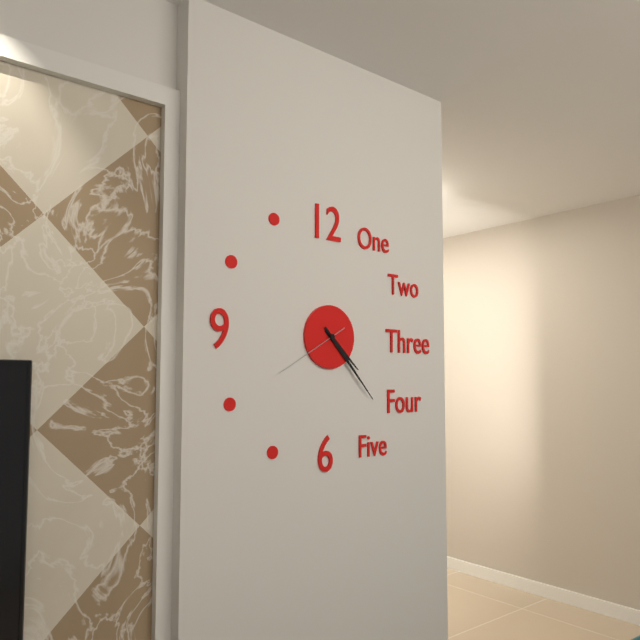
4:23:40
